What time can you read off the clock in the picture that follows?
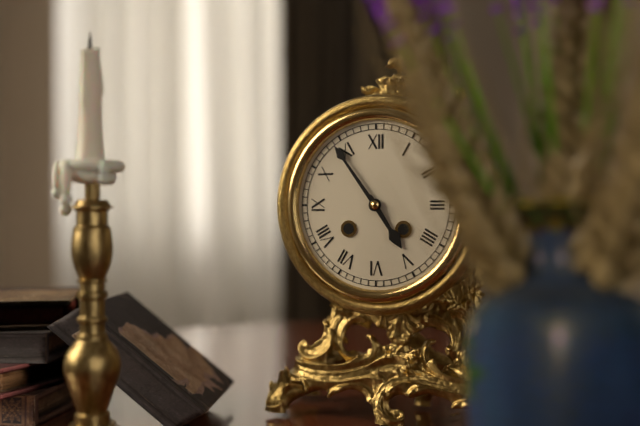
4:54
